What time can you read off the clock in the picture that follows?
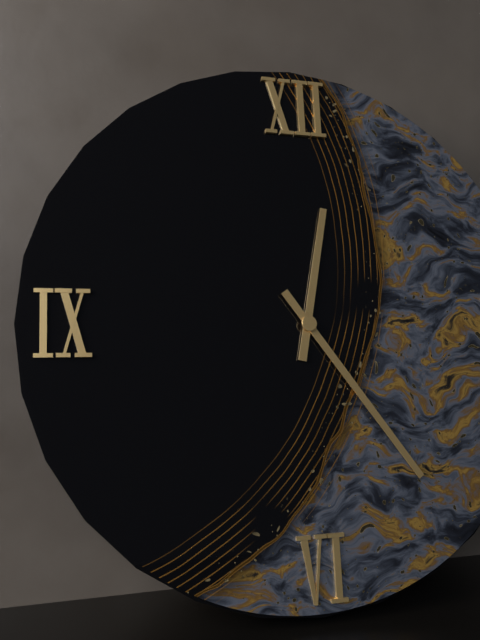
12:24
